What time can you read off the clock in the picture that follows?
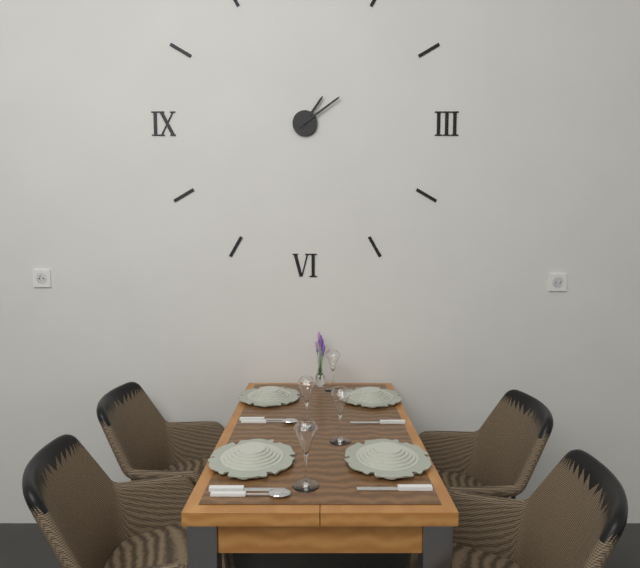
1:09
